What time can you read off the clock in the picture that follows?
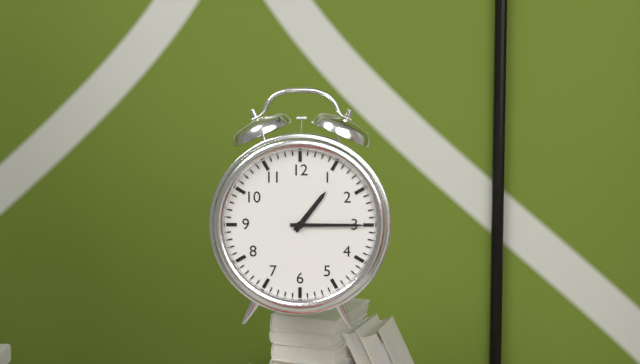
1:15
